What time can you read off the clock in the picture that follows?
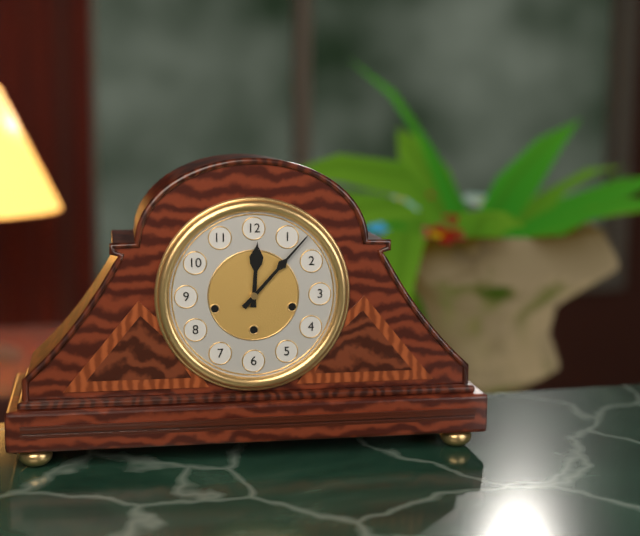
12:07
